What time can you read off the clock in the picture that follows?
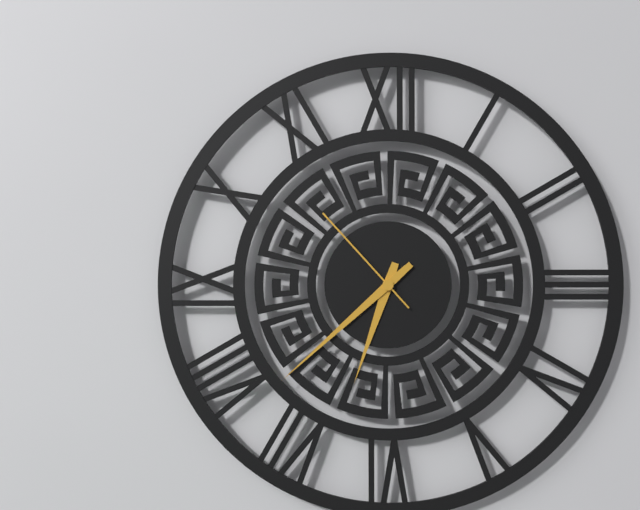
6:38:53
